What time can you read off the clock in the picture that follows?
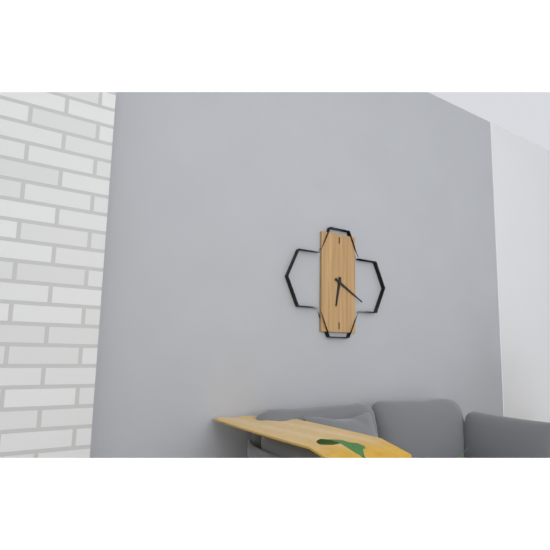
6:20
